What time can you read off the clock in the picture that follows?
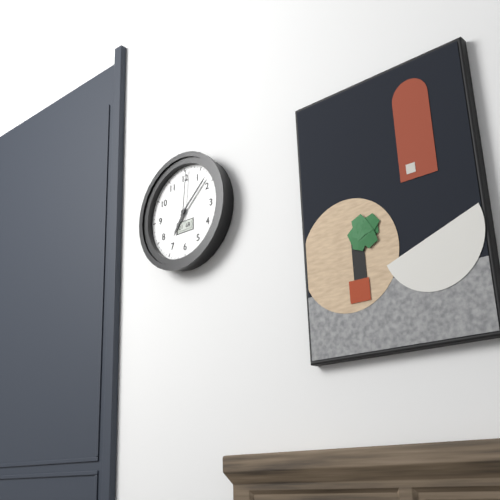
7:08:01
